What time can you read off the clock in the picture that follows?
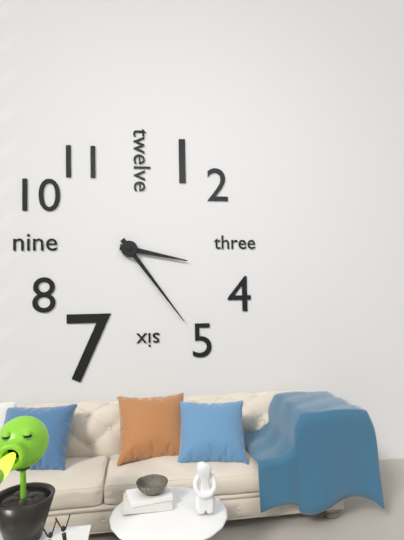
3:24
